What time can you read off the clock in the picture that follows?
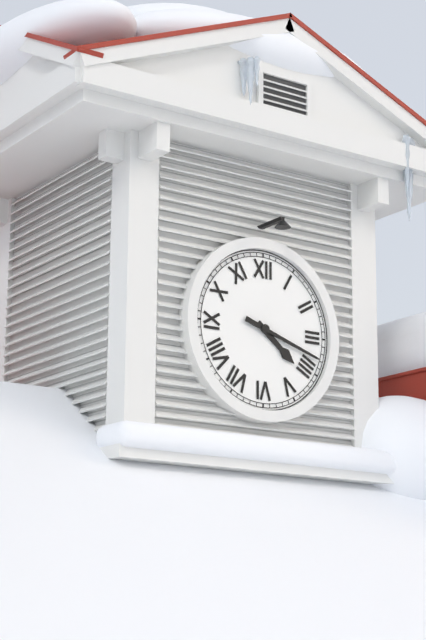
4:18
